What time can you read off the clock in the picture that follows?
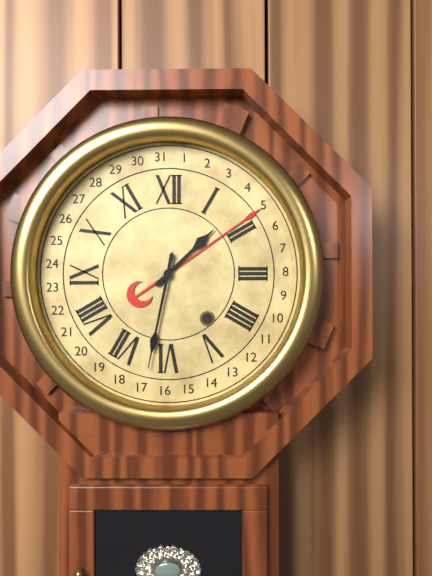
1:32
